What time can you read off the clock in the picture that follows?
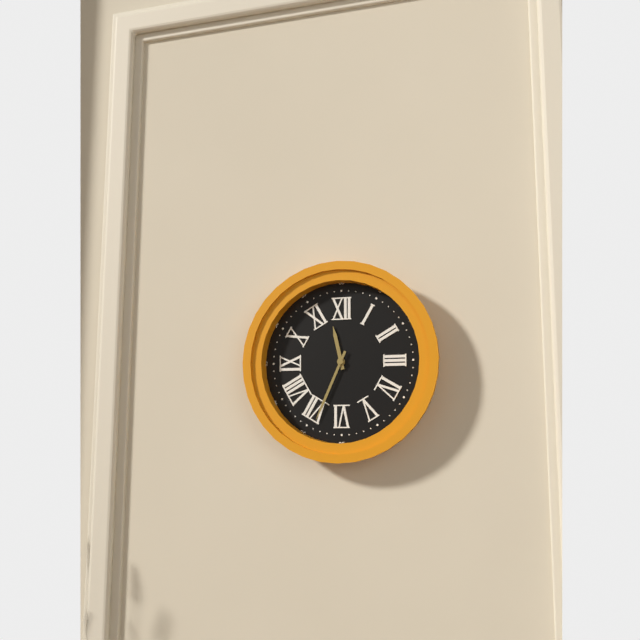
11:34
